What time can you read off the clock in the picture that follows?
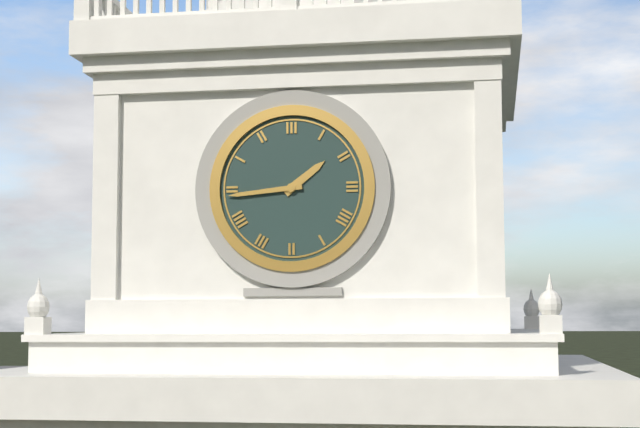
1:44
